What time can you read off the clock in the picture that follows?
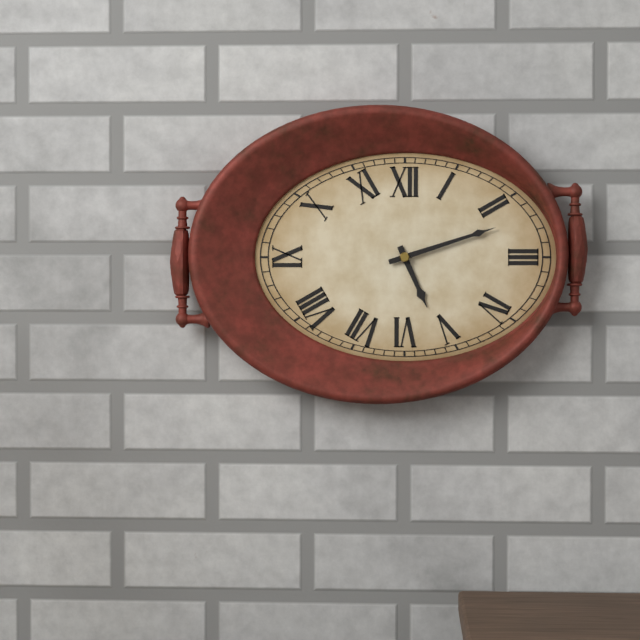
5:12
